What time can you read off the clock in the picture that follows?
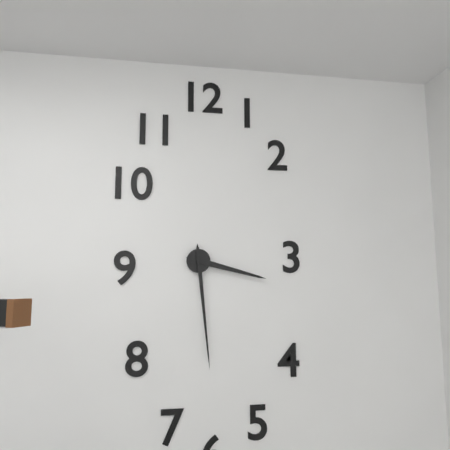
3:29
